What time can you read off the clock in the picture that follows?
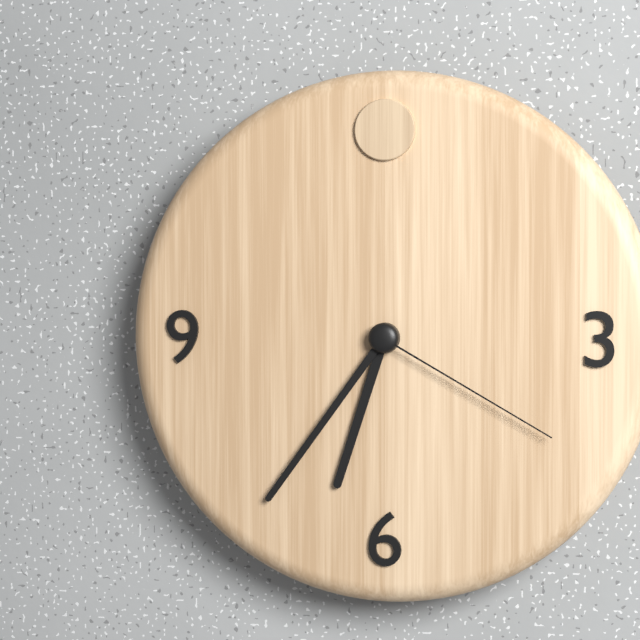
6:36:20
